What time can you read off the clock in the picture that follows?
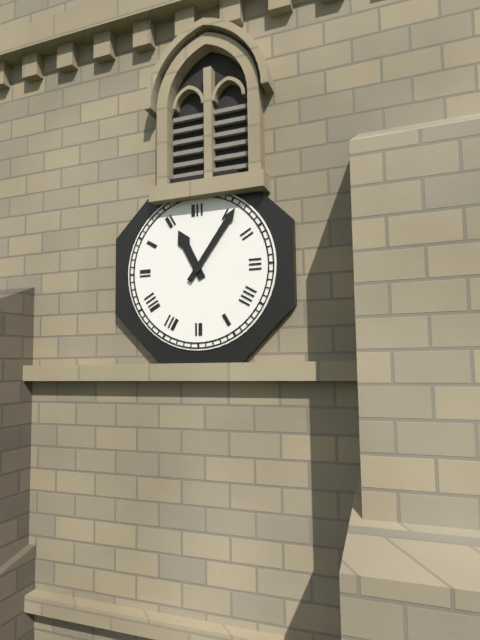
11:06
